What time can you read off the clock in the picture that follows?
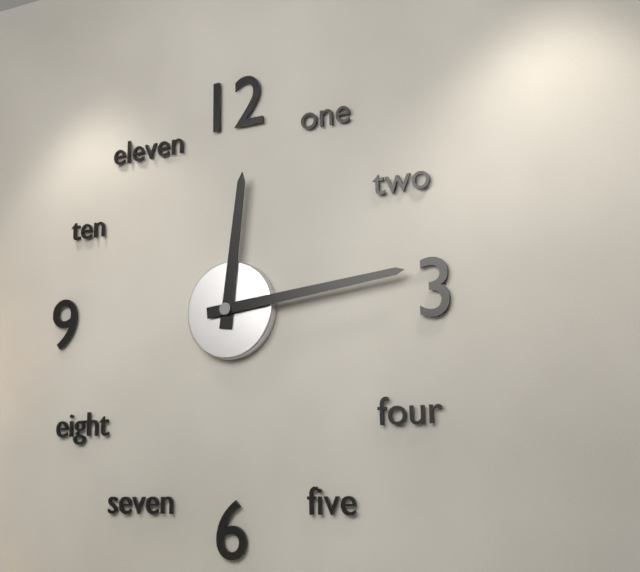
12:14
